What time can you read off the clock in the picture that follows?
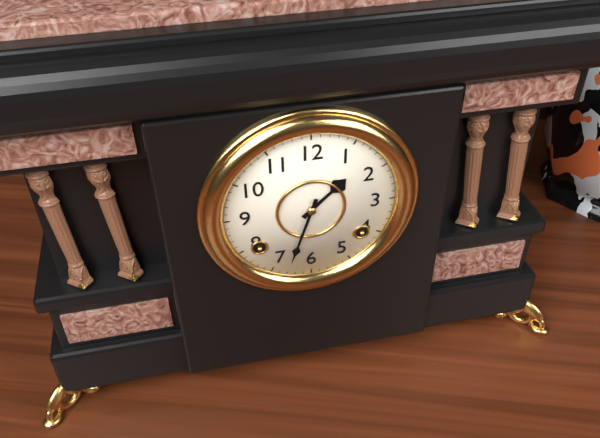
1:33
